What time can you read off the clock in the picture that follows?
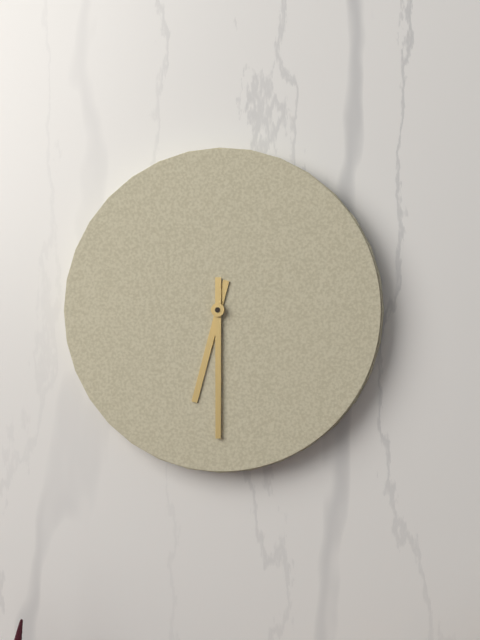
6:30
